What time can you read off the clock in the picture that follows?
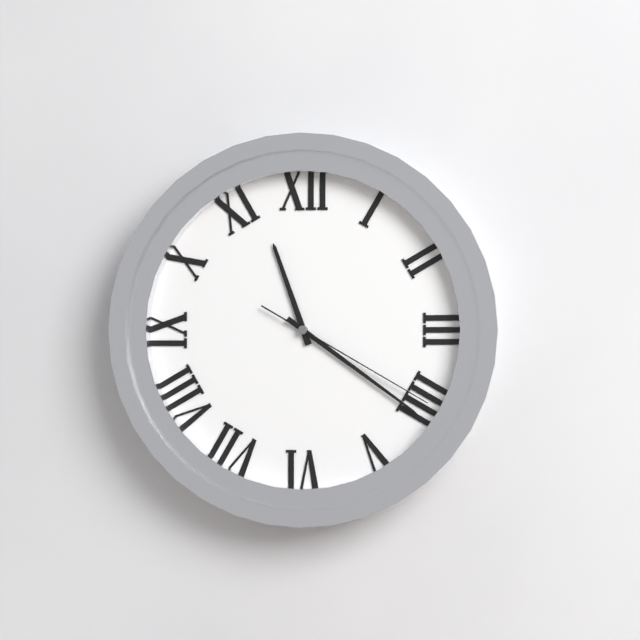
11:21:20
